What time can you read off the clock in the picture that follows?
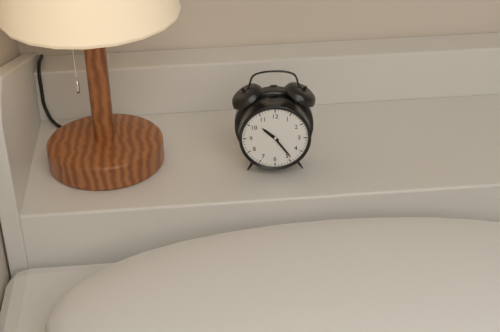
10:24
